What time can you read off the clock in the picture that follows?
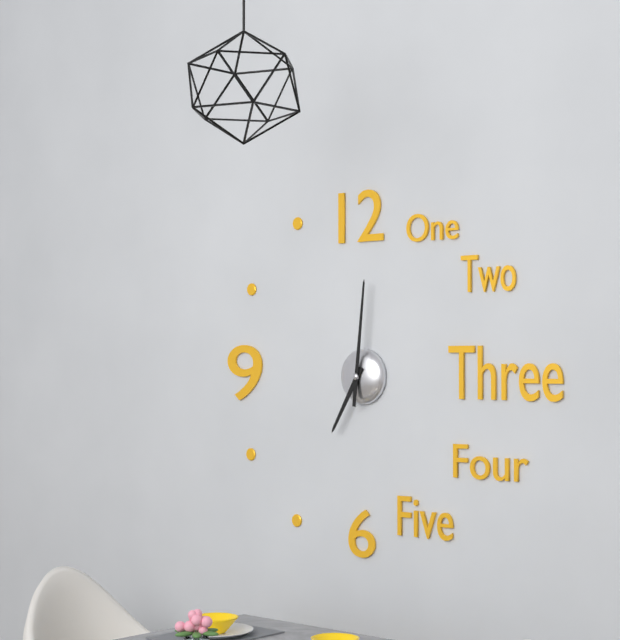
7:01
